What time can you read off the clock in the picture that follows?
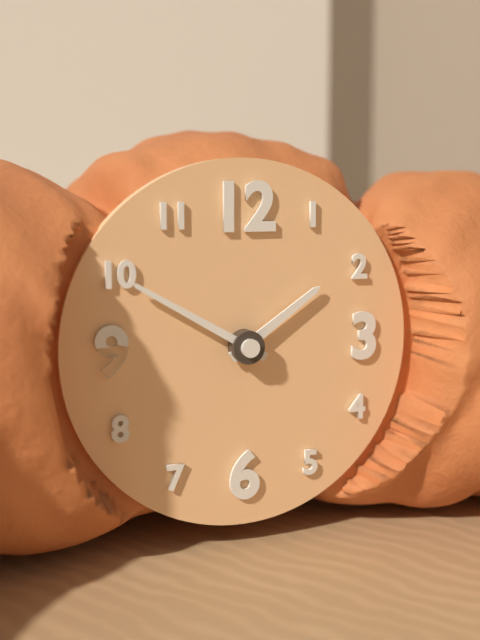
1:50
